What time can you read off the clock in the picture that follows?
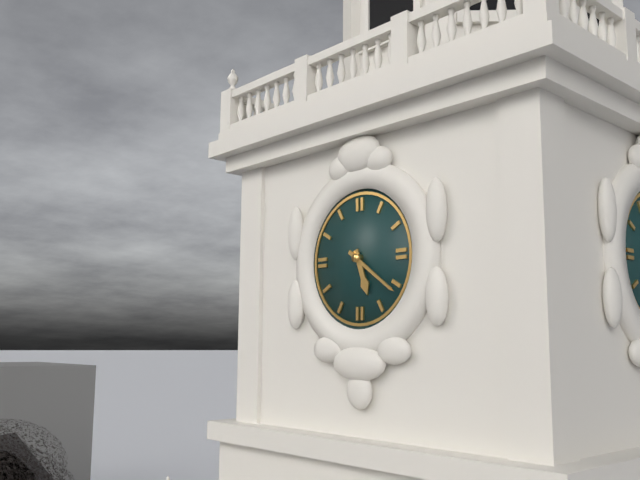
5:21
